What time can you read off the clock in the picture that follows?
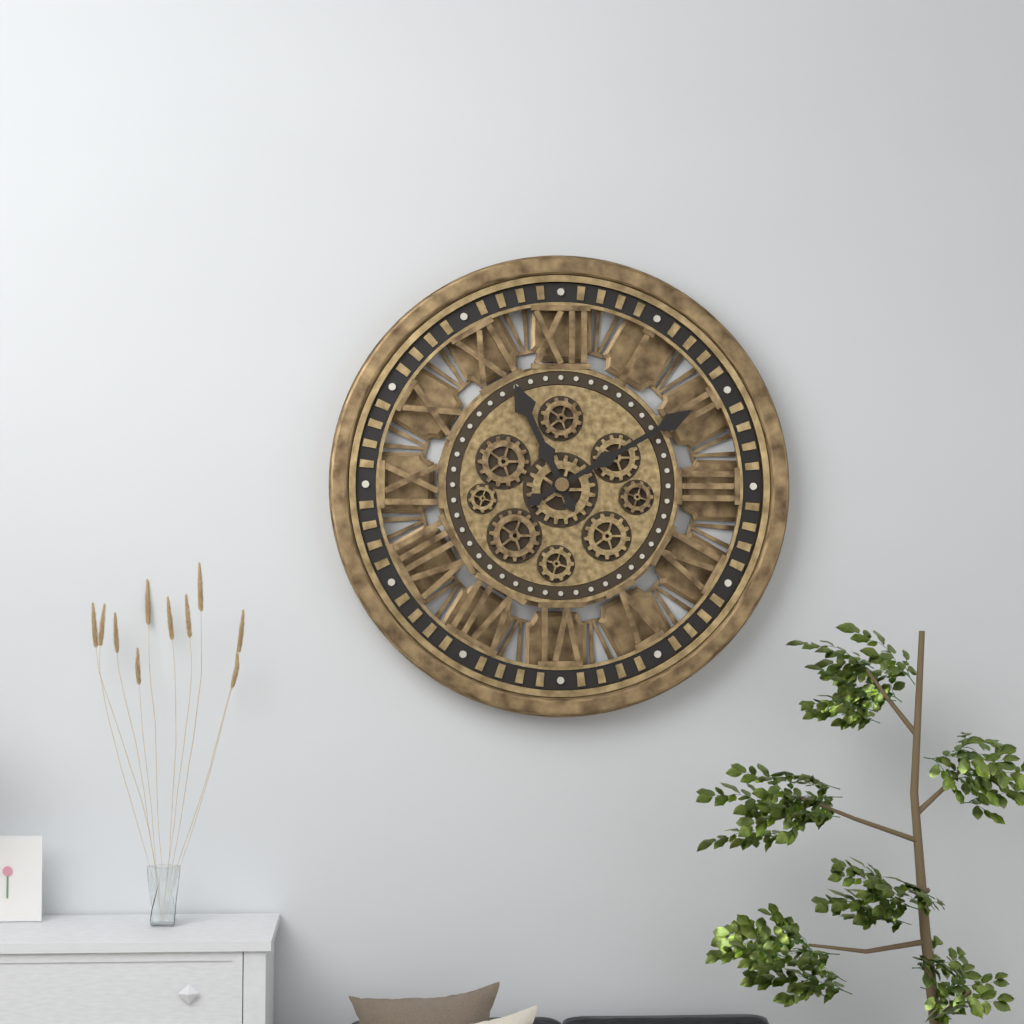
11:10
